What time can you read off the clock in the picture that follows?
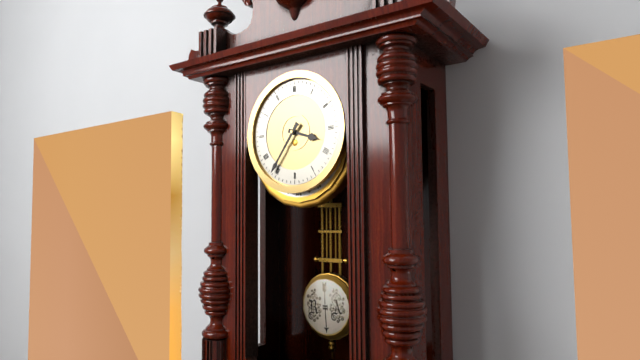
3:36
